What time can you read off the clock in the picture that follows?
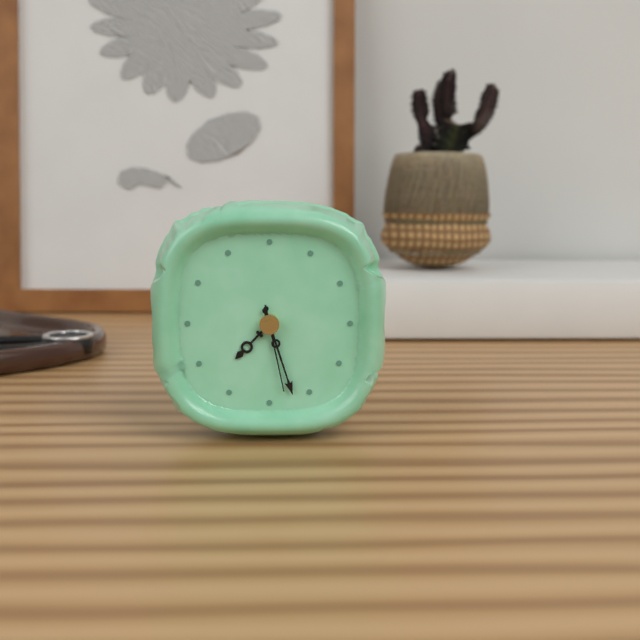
7:27:28
